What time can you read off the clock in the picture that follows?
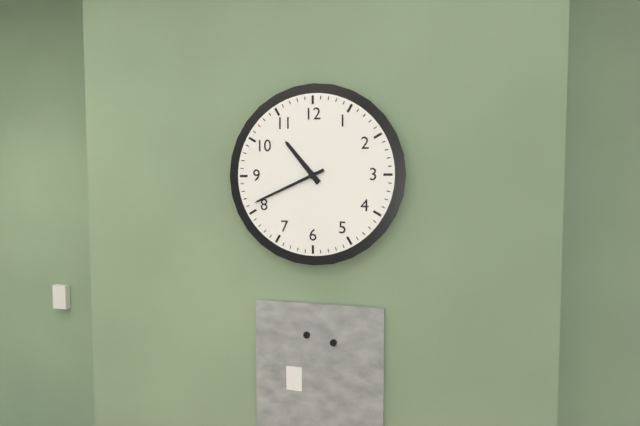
10:41
